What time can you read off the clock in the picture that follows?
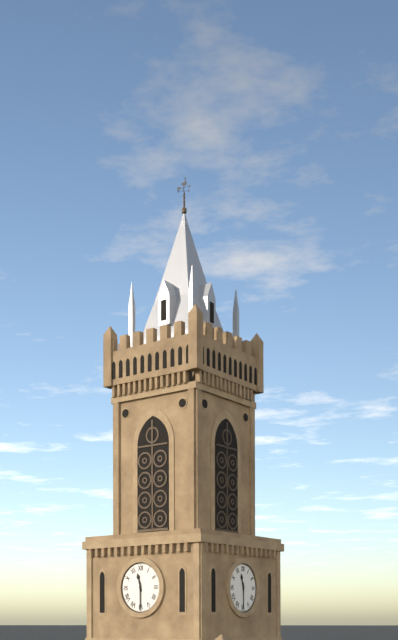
11:30
